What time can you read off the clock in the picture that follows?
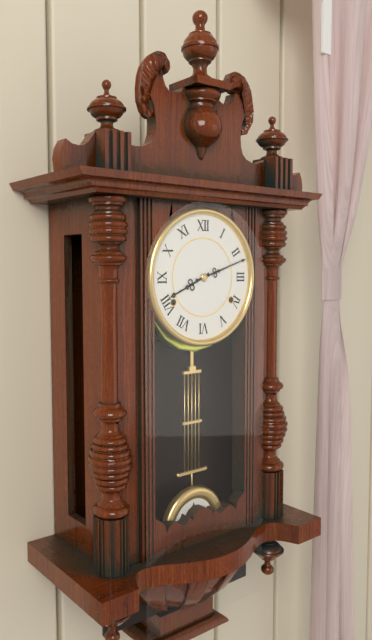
8:12
